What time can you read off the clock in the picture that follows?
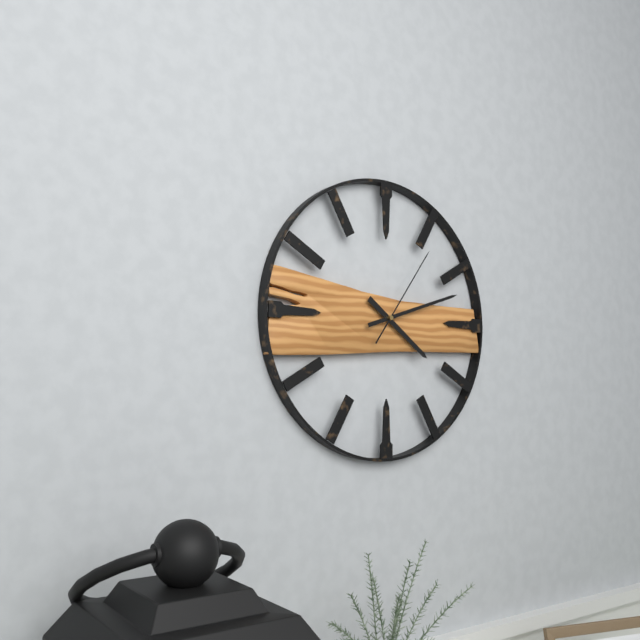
4:12:06
